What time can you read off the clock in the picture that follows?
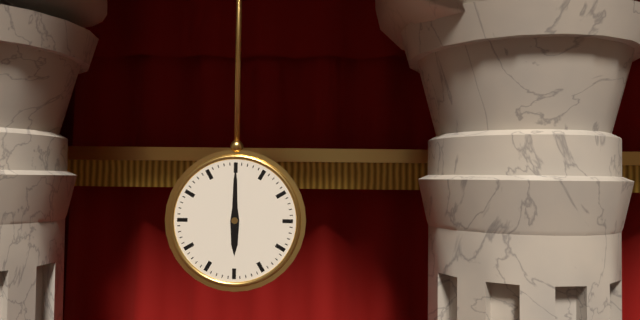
6:00
